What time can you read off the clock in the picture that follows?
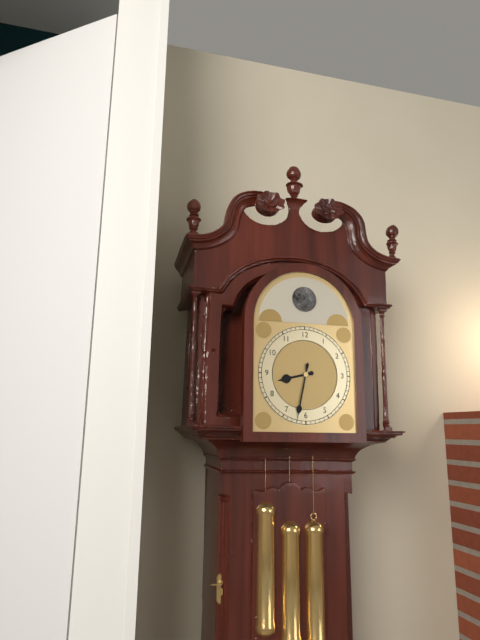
8:32
